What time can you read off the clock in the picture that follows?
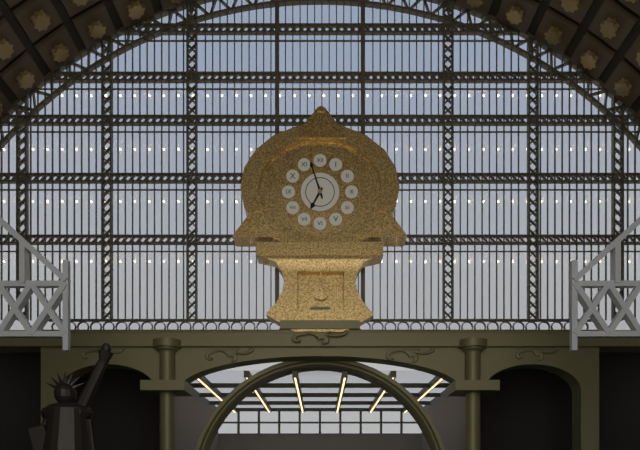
6:57
